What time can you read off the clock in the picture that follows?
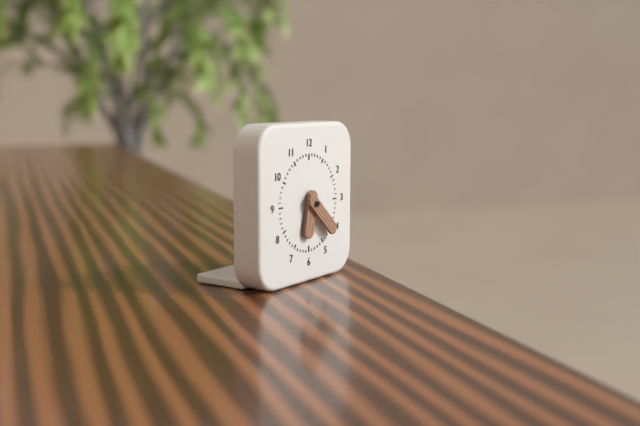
6:22
